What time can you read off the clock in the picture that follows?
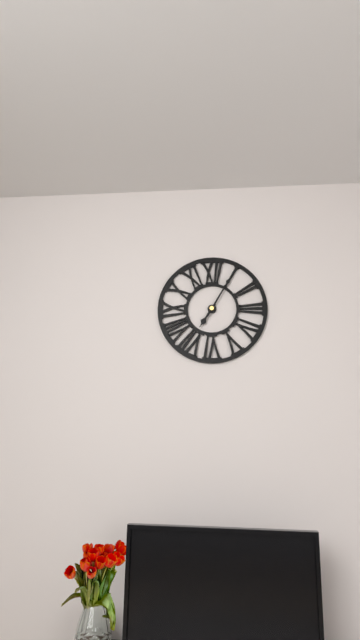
7:05
